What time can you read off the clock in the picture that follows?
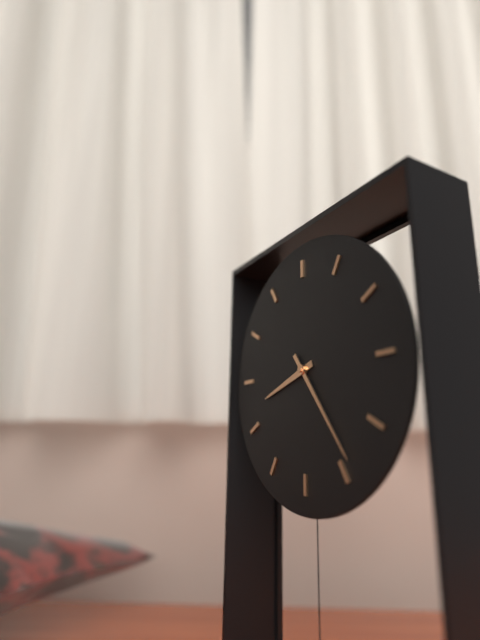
8:24
